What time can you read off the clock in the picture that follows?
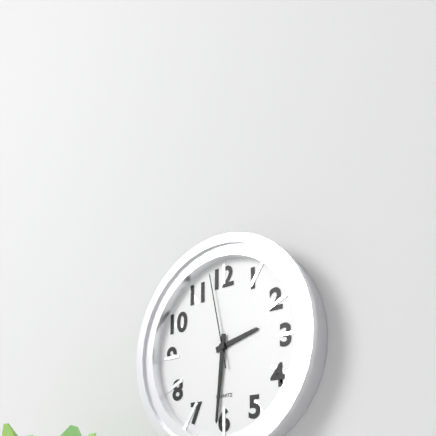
2:31:58
